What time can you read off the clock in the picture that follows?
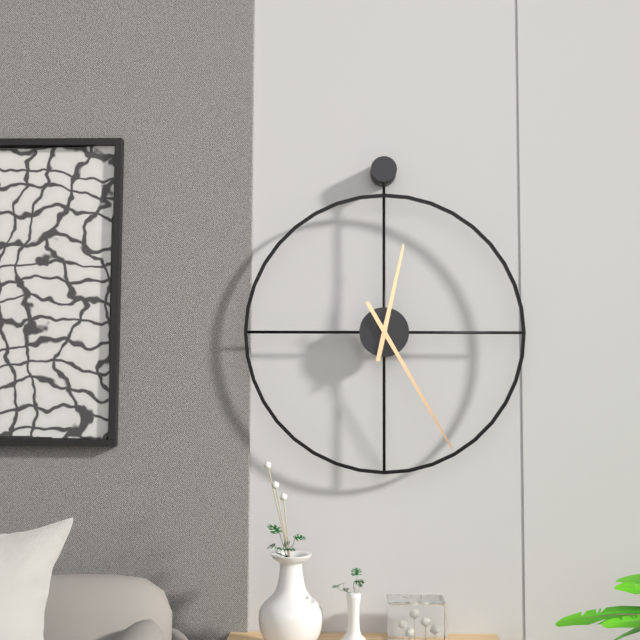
12:25
